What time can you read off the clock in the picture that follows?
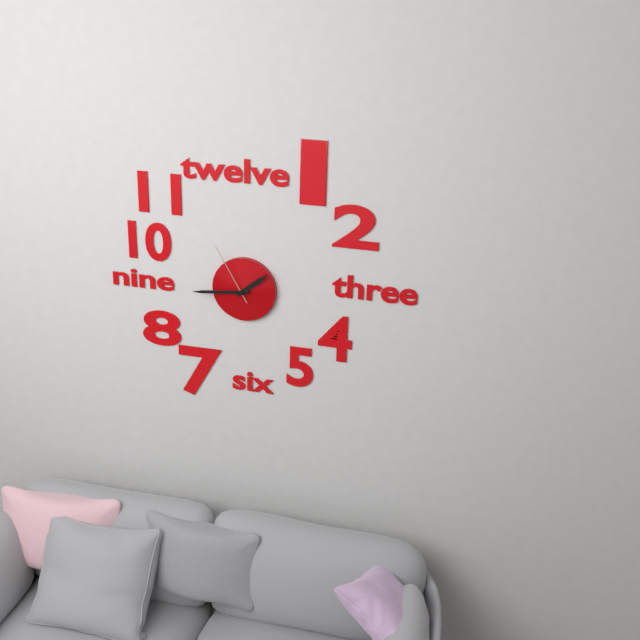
1:44:55
